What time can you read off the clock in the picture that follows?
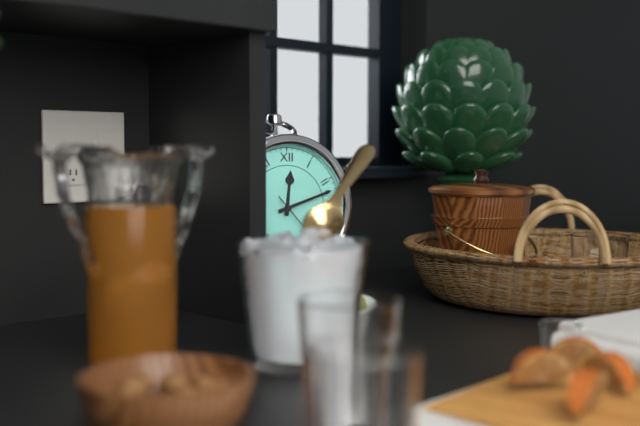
12:12
